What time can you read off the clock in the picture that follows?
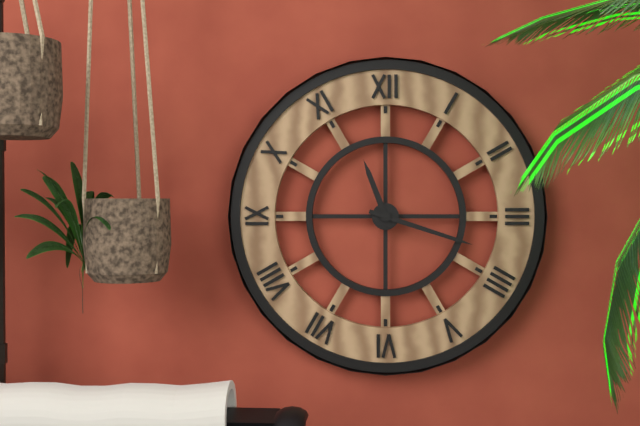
11:18
